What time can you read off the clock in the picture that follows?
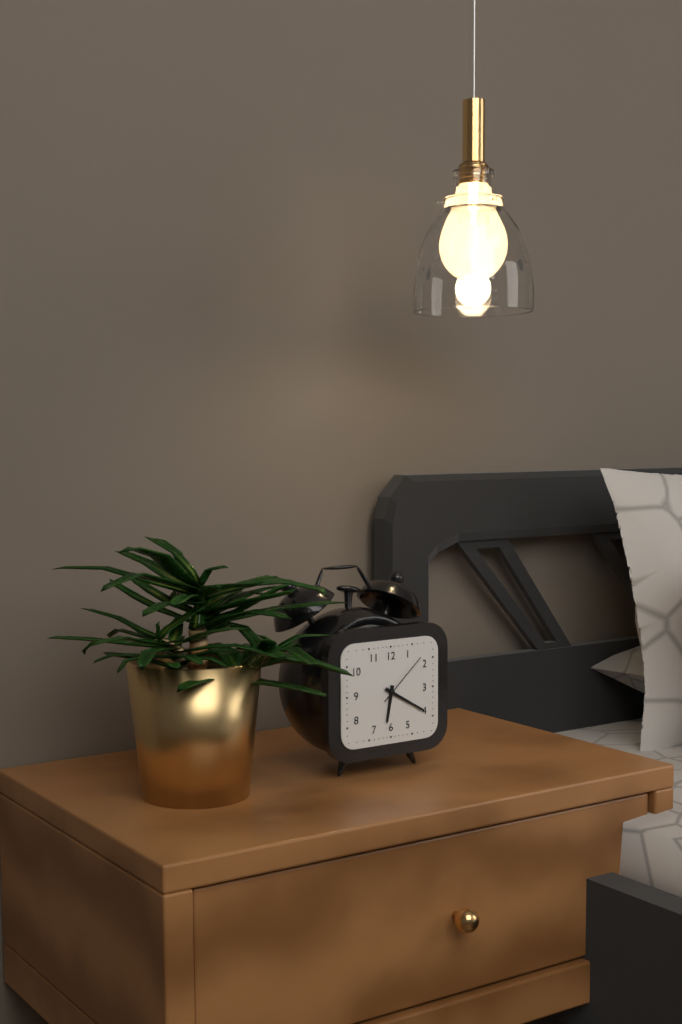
6:20:08
